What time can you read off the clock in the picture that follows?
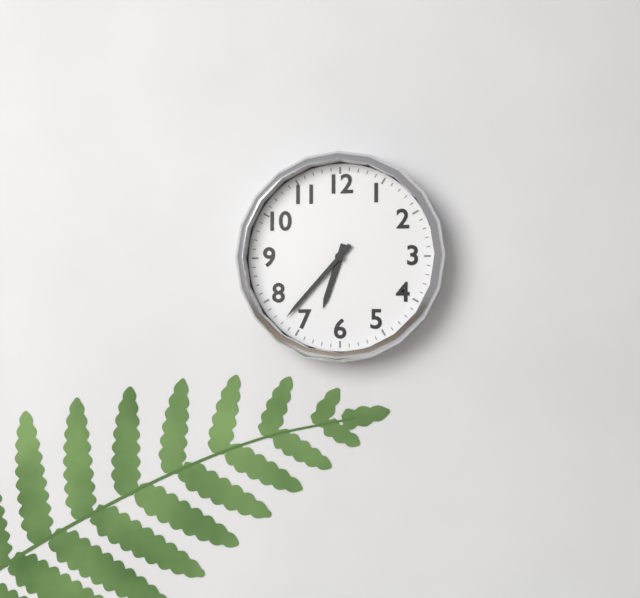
6:37
